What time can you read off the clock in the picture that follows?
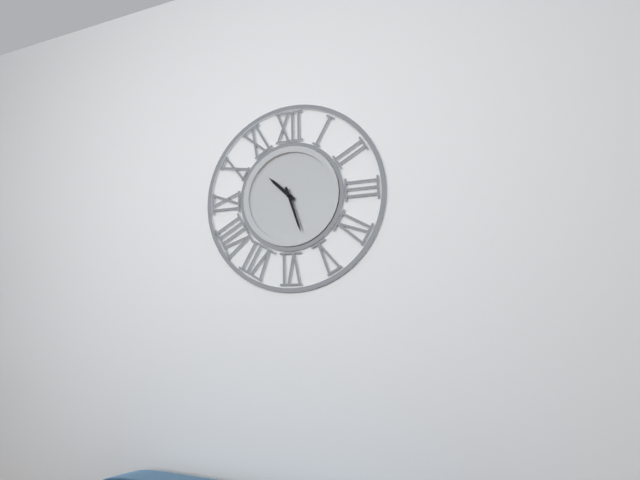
10:27
